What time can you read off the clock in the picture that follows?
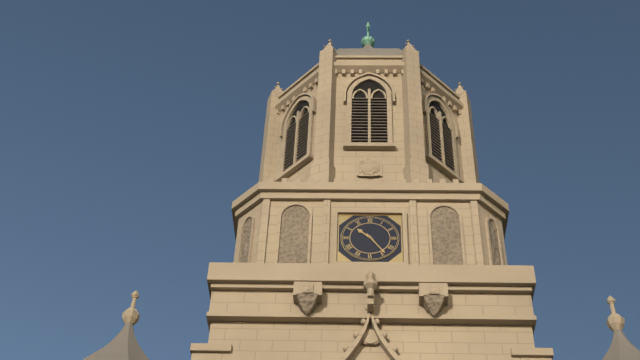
10:24
